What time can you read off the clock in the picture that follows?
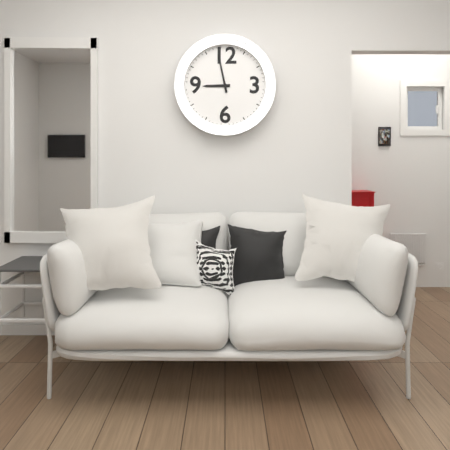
8:58
